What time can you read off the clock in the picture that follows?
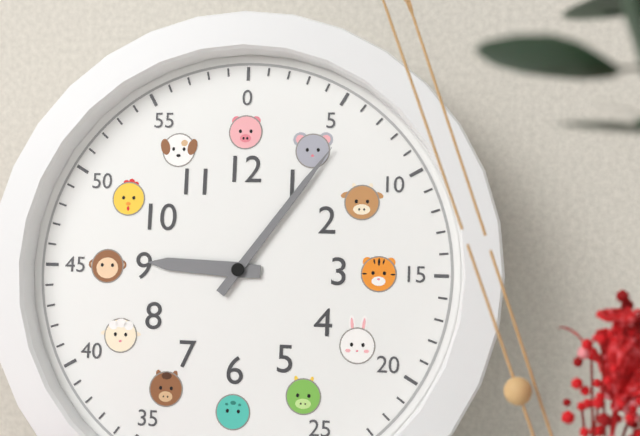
9:06
